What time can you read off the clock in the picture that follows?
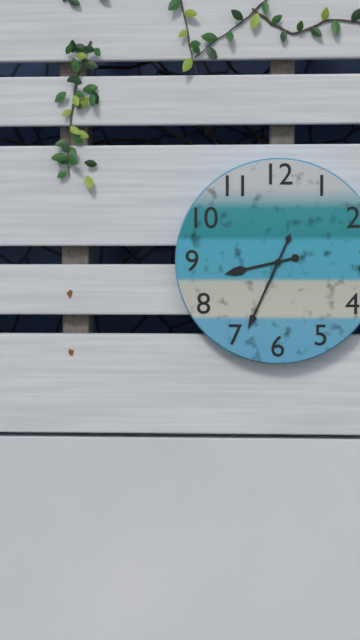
8:34
